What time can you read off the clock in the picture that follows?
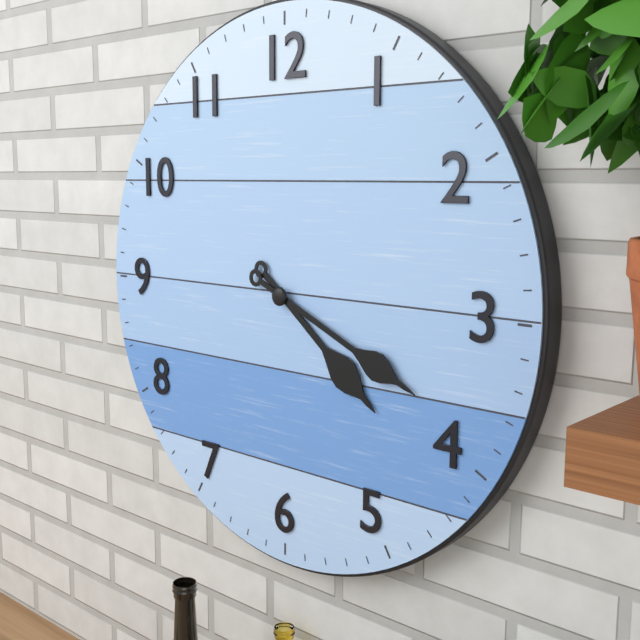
4:19
